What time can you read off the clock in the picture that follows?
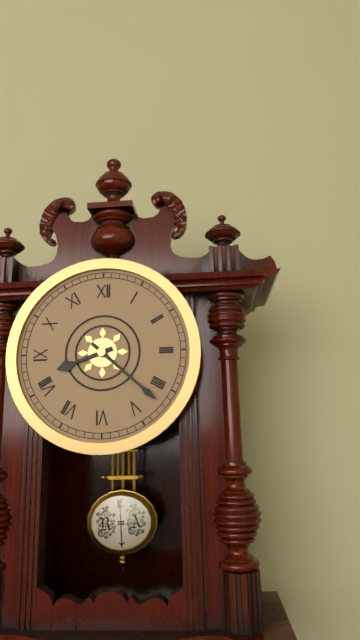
8:22
